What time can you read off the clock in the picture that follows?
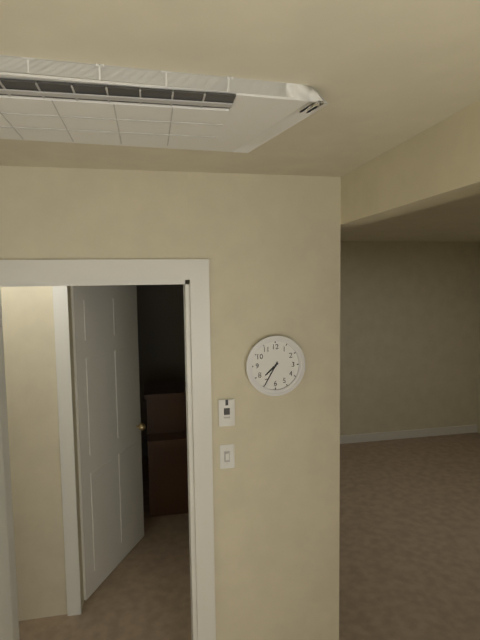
7:35
